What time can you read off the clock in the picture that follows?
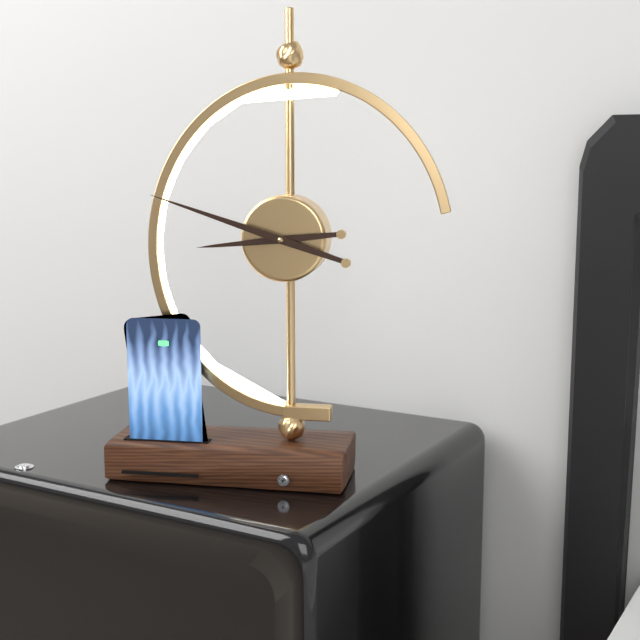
8:48
